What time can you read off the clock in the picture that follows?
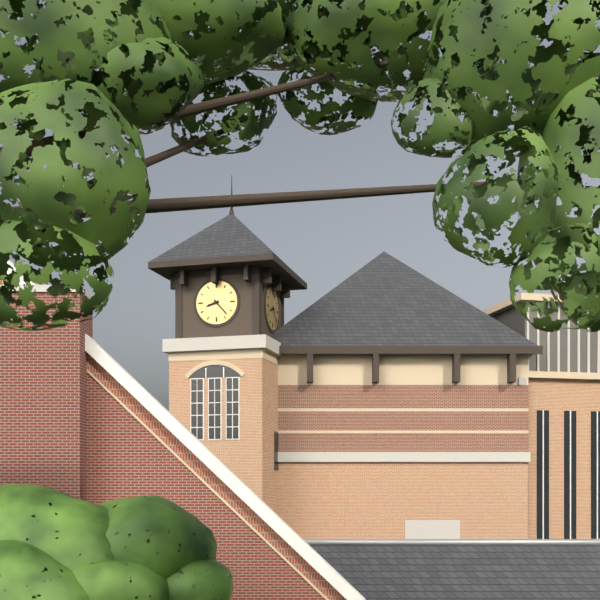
8:23
